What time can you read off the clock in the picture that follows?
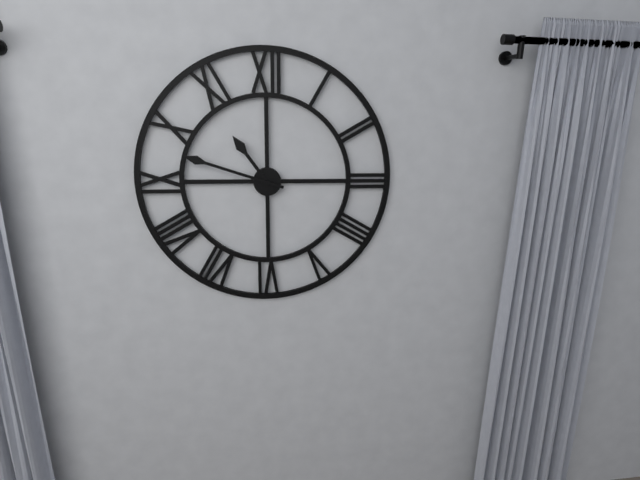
10:48
